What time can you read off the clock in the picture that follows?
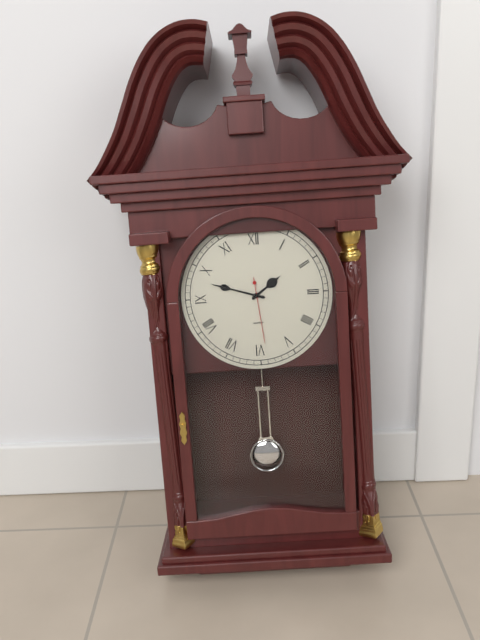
1:48:29
